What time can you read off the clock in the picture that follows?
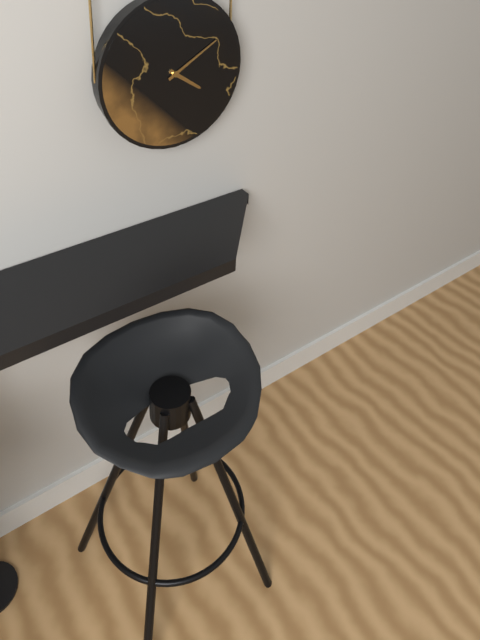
4:10
